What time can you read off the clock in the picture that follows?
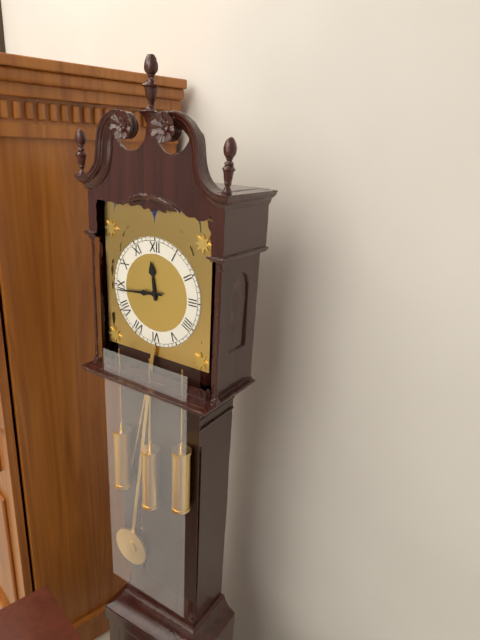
11:44
